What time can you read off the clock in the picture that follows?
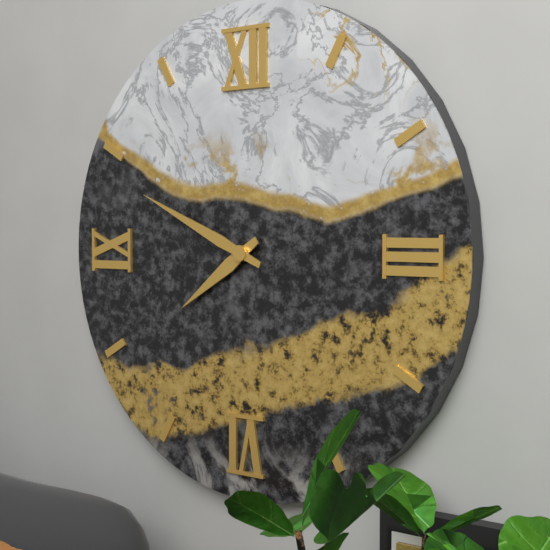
7:49
